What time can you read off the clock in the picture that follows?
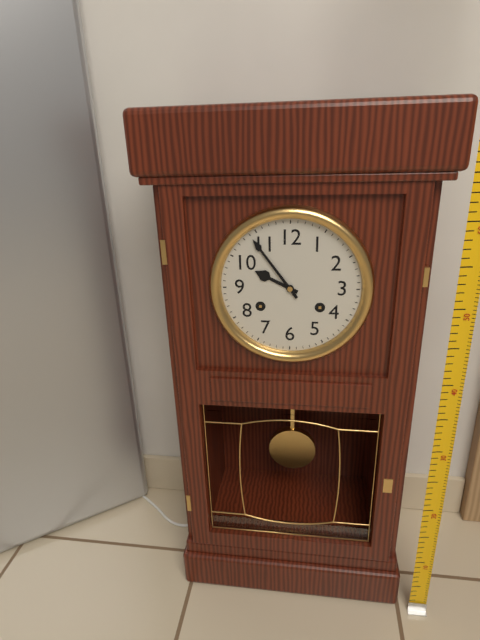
9:54
